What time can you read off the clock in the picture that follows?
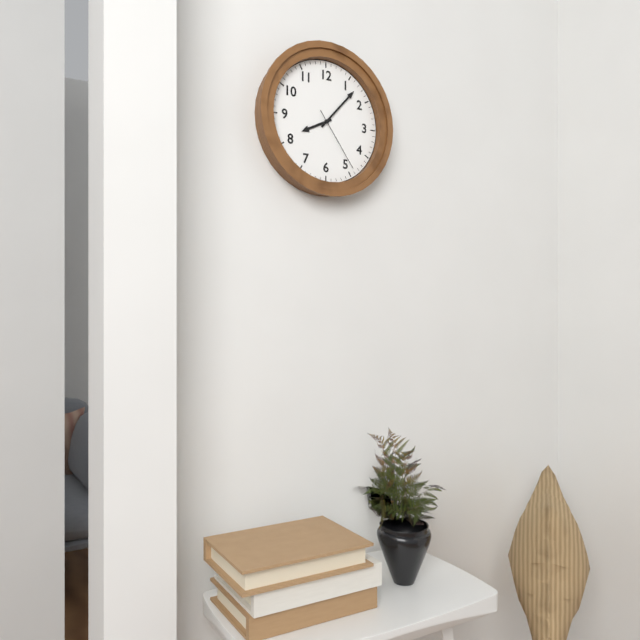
8:07:24
